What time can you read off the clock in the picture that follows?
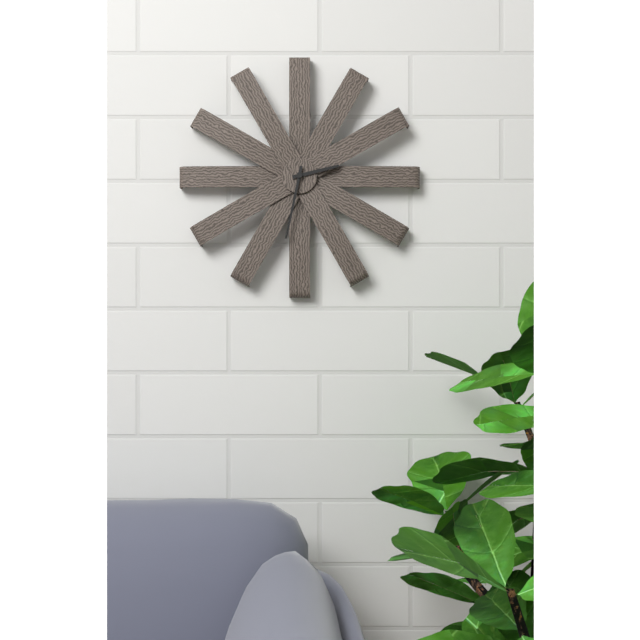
2:32
